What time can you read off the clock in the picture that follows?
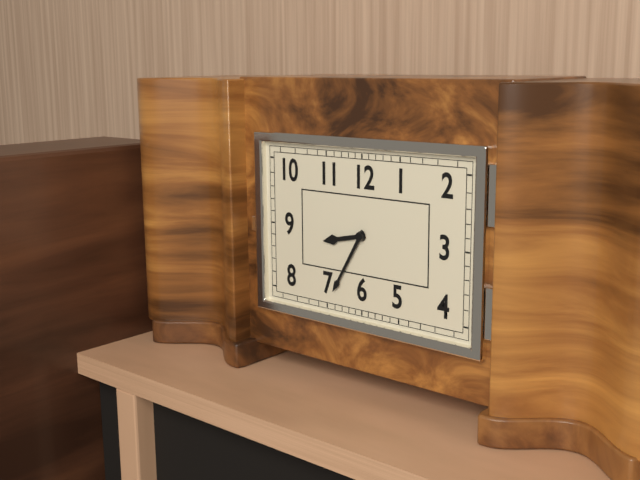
8:35
